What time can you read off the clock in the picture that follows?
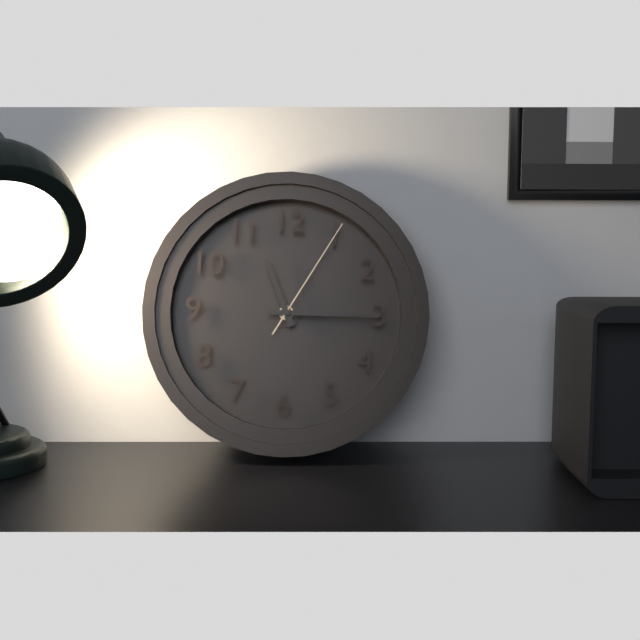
11:15:05
